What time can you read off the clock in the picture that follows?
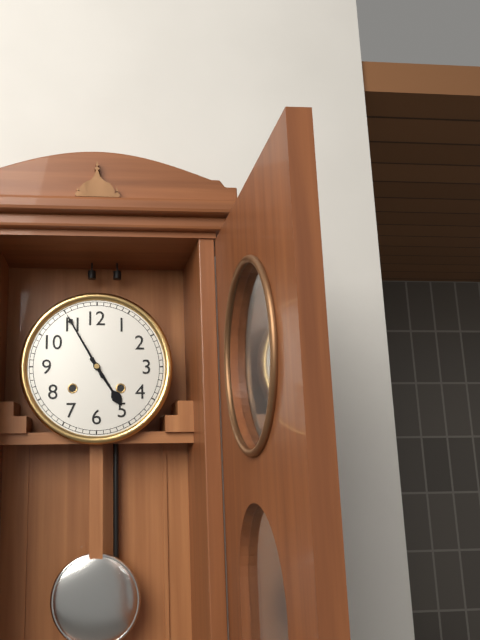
4:55
